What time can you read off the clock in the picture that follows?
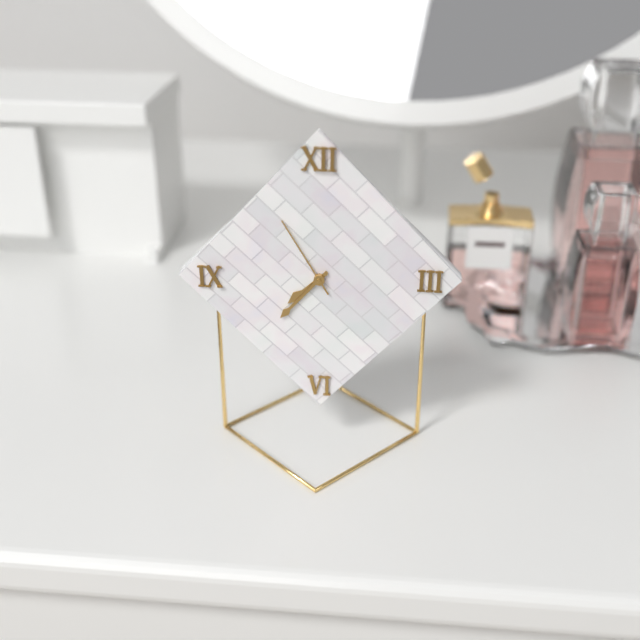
7:37:55
